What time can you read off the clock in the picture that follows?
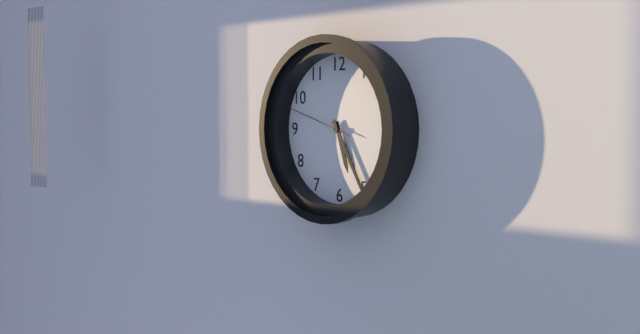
5:25:48
